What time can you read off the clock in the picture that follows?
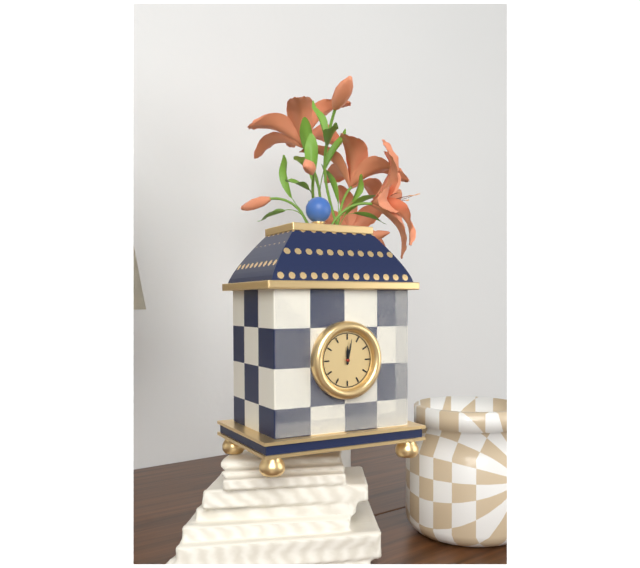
12:02
